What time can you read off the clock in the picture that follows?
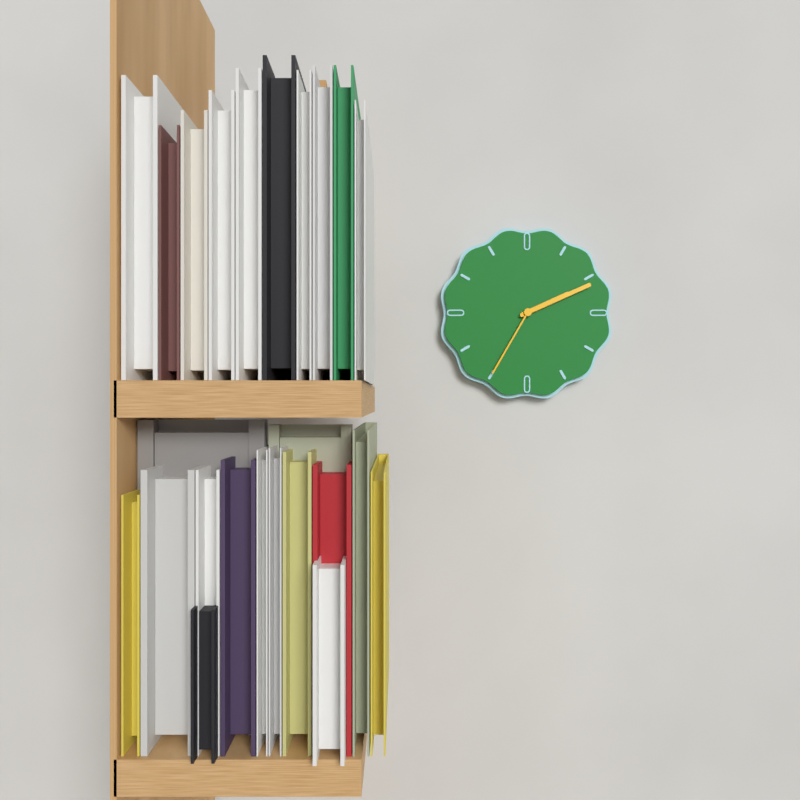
2:11:35
